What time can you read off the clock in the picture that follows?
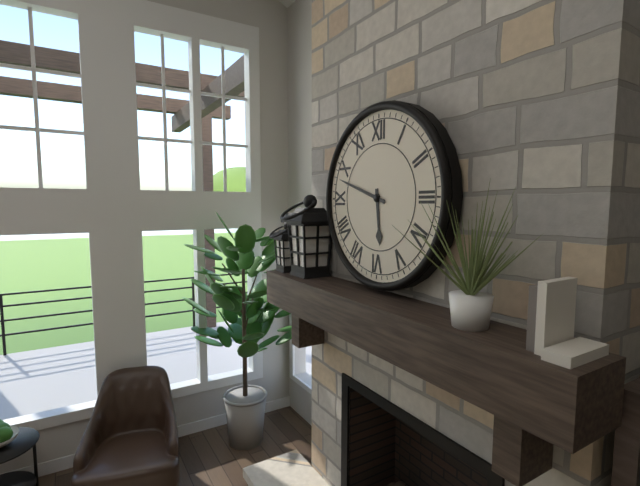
5:48
